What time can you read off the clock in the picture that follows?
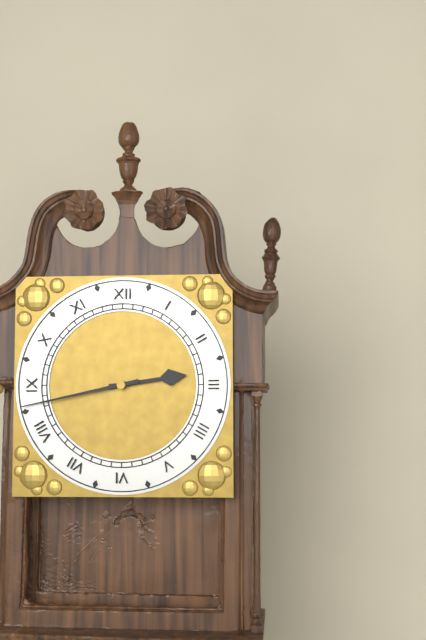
2:43
